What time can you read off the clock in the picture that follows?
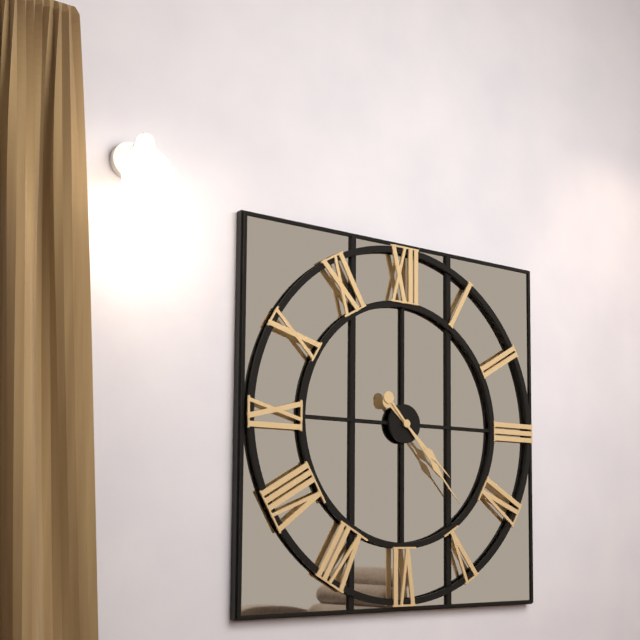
4:23
